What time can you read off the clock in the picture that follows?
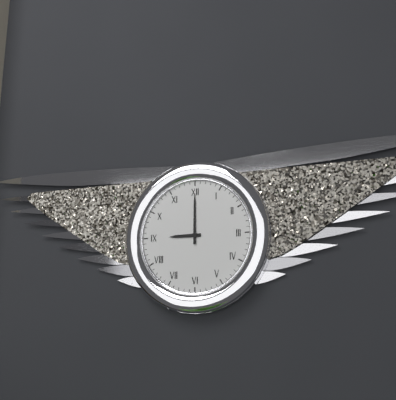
9:00
